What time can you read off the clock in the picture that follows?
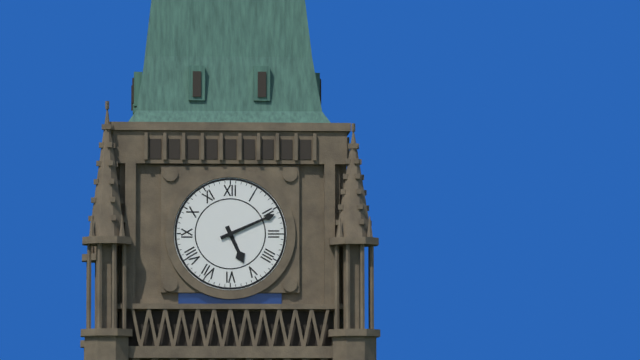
5:11
